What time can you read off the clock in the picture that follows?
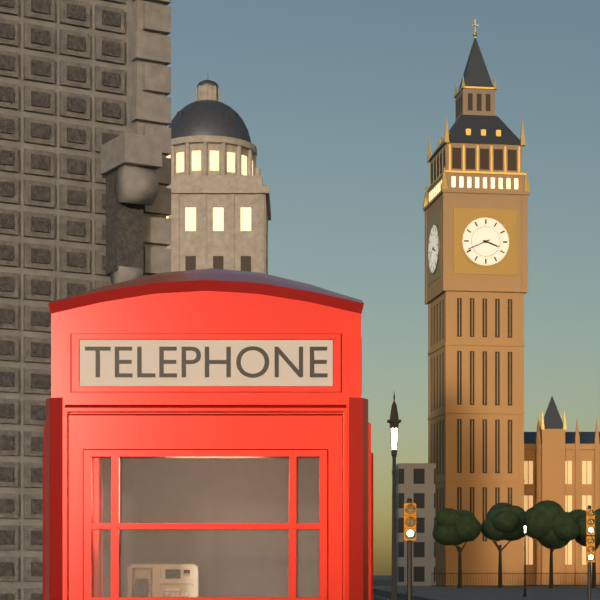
3:41
